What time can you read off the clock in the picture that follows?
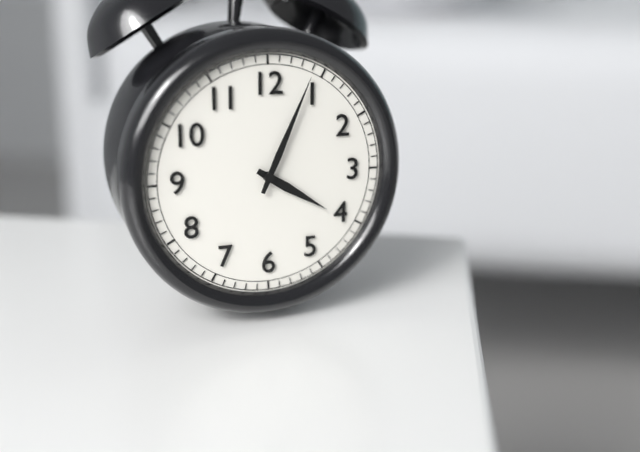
4:04
